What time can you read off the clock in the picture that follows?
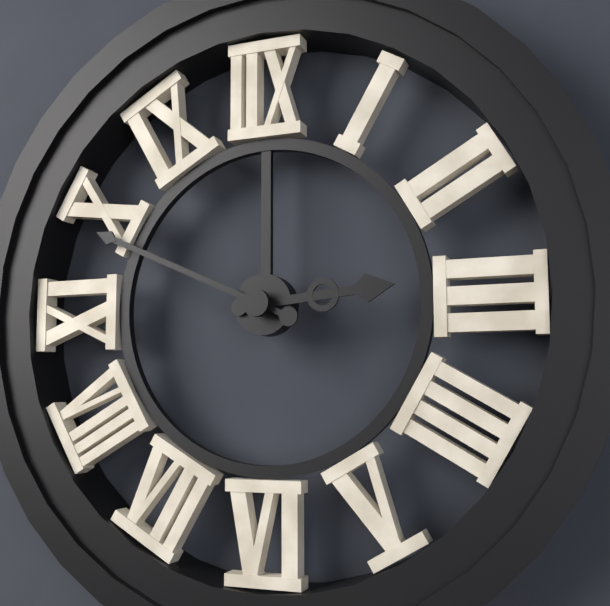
2:49
